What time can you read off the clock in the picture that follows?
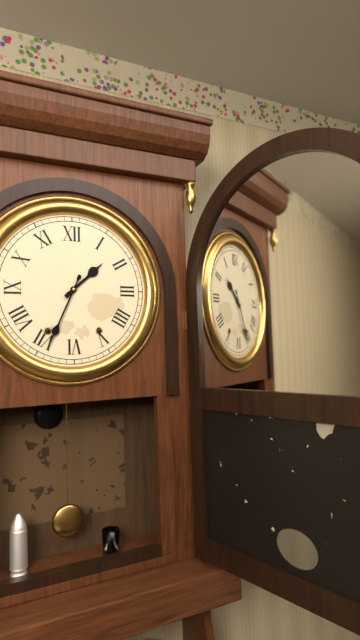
1:34
